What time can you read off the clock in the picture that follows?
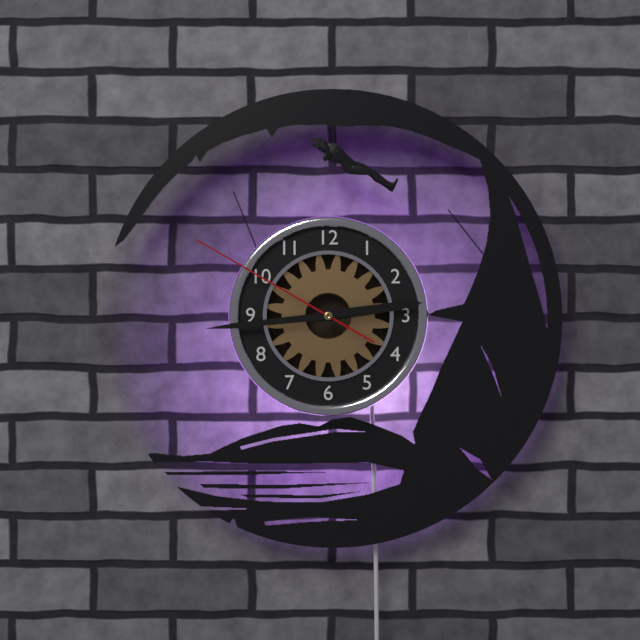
2:44:50
